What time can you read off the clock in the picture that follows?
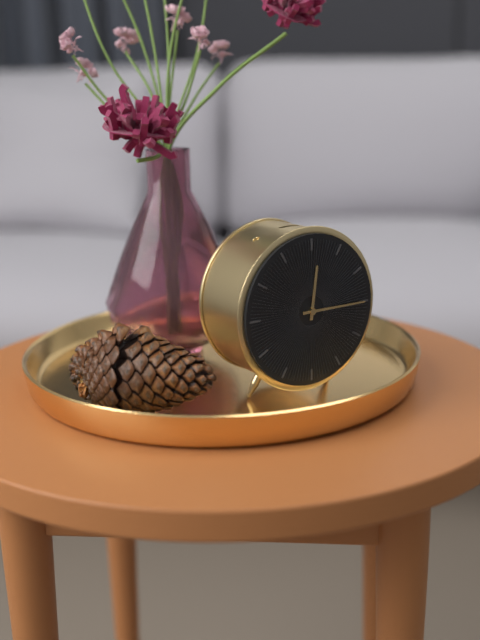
12:15
